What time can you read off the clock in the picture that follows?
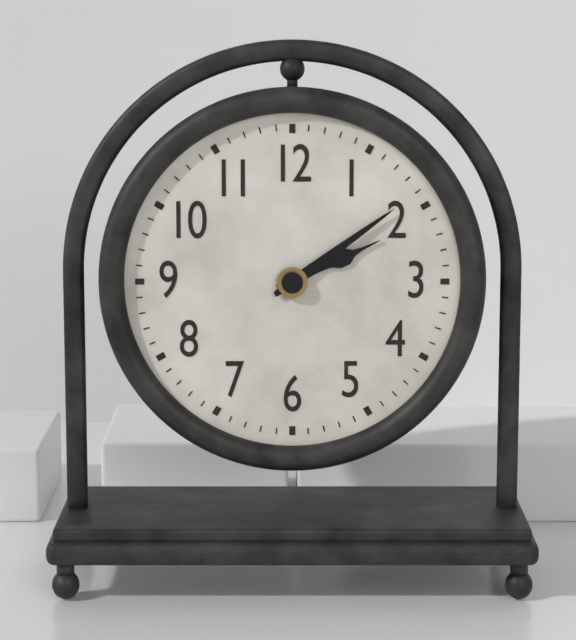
2:09
